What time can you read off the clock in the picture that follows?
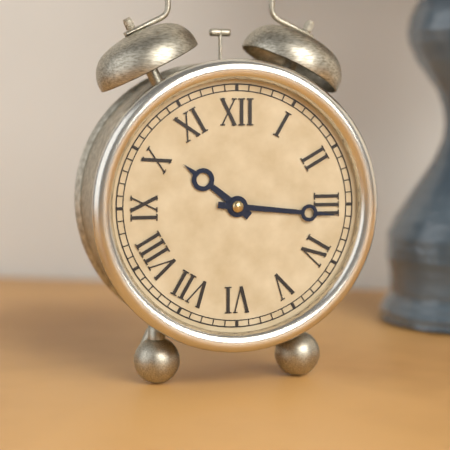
10:16
